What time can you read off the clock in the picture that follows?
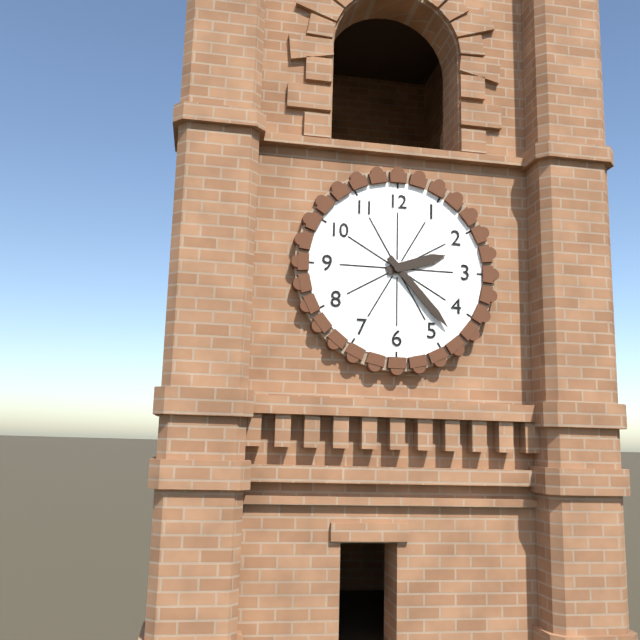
2:23
